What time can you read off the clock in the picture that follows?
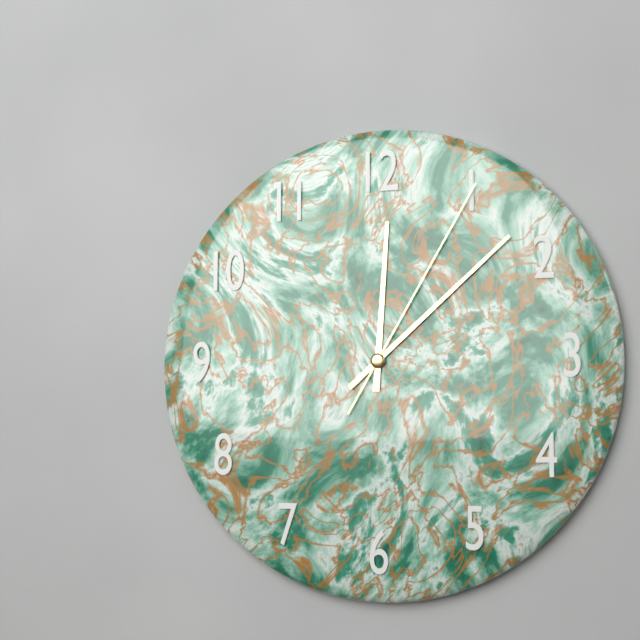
12:08:05
